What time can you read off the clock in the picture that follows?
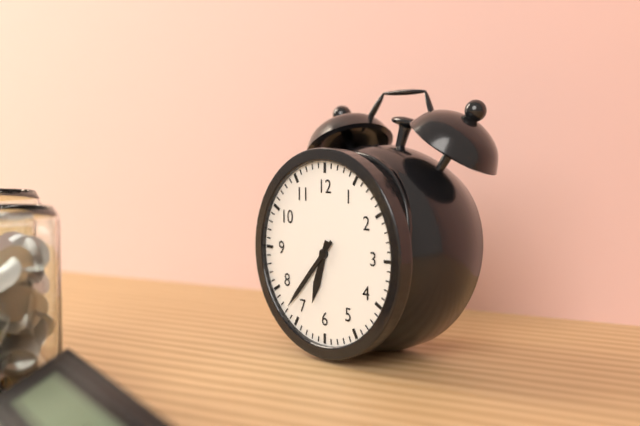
6:37
